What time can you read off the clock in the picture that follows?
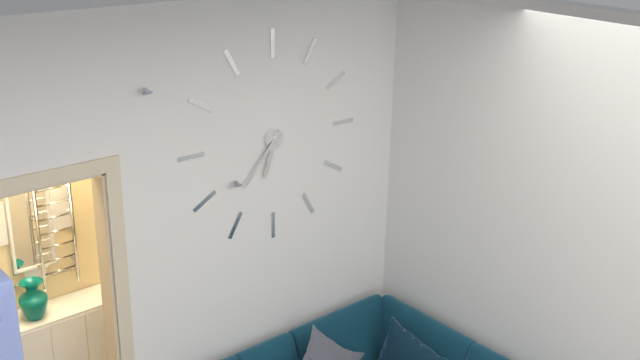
6:37
